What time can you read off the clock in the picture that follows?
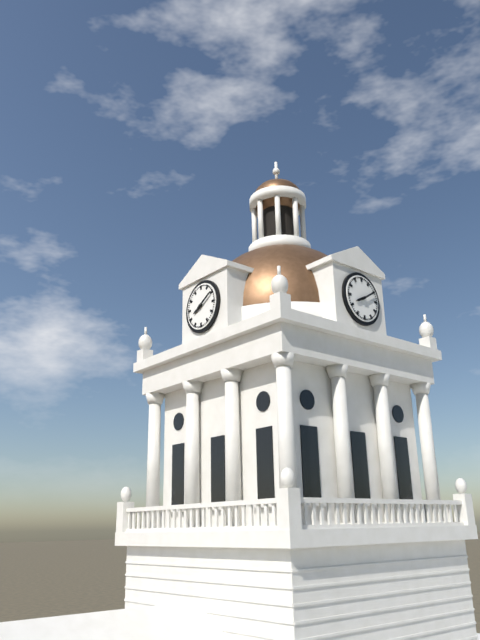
8:10
